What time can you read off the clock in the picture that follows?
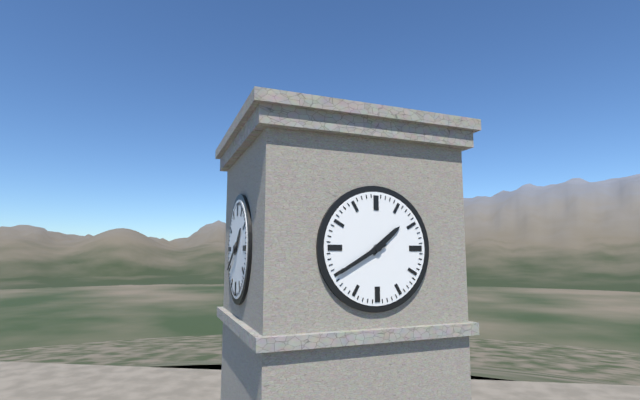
1:40
